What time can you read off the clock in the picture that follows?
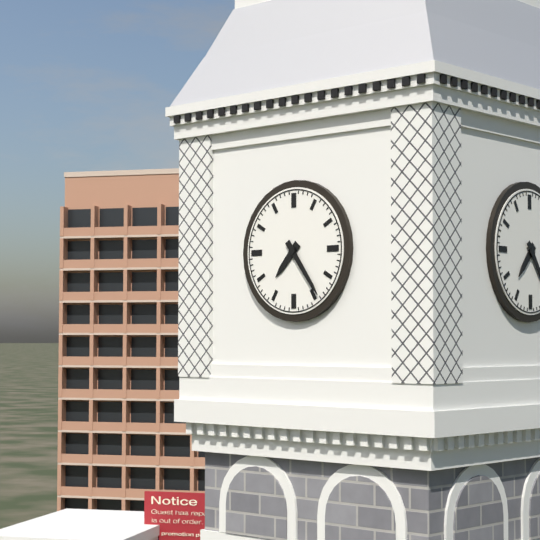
7:24
